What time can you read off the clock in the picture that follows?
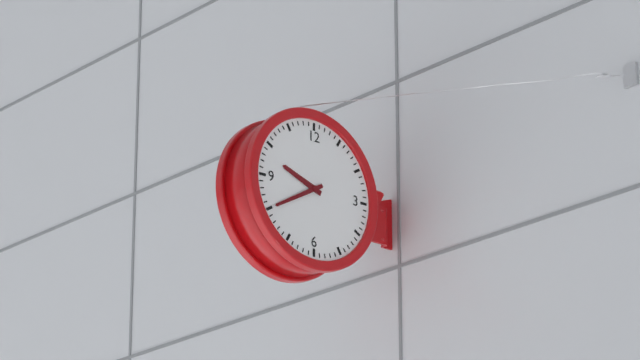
9:40
